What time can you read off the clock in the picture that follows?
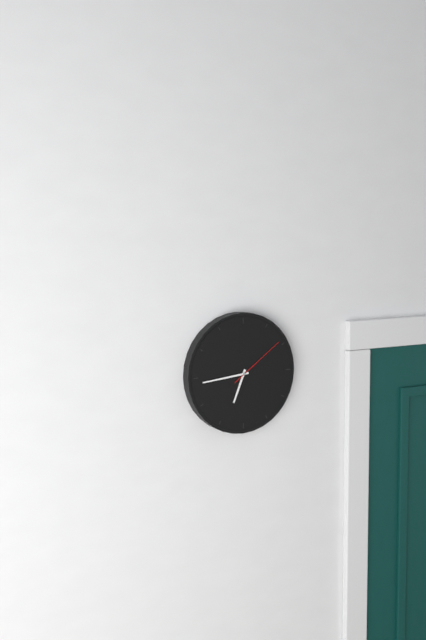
6:44:09
